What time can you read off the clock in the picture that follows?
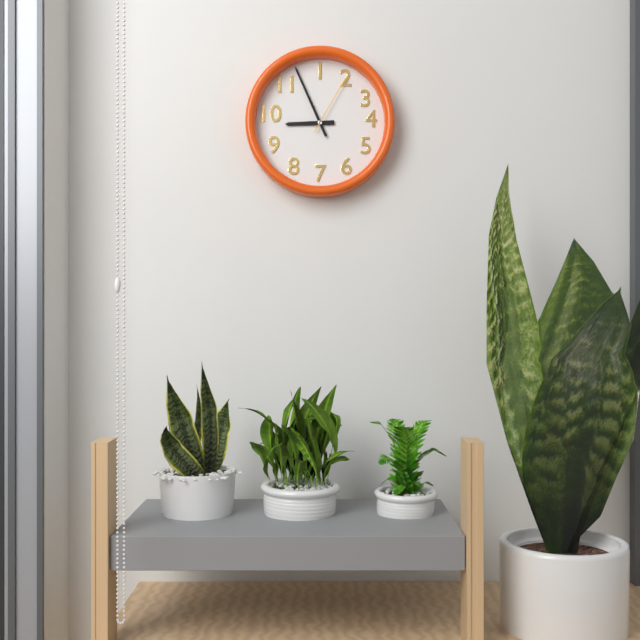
8:56:05
